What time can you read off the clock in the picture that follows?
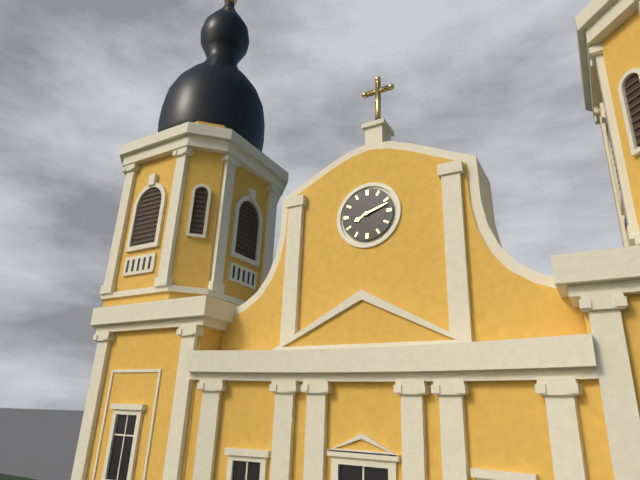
8:12
